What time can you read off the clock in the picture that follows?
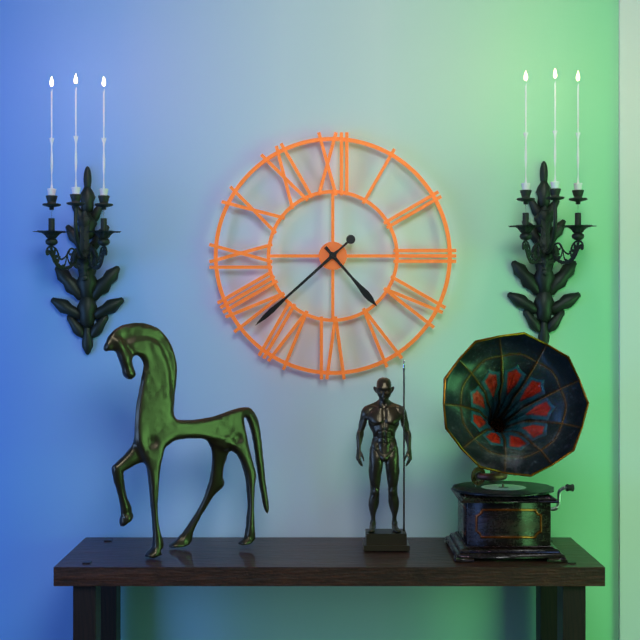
4:38
